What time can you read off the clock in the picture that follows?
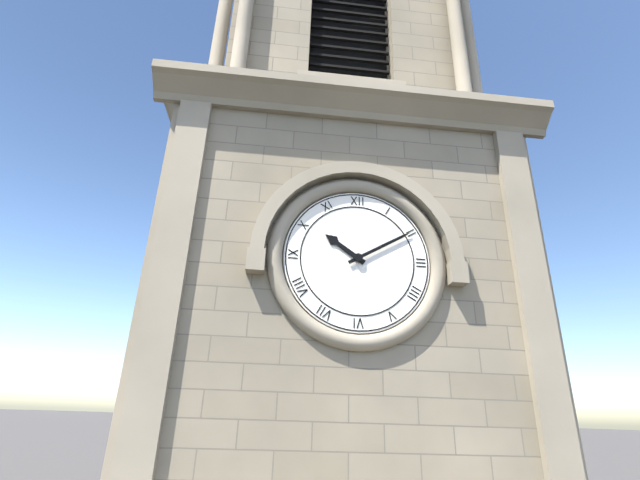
10:10
